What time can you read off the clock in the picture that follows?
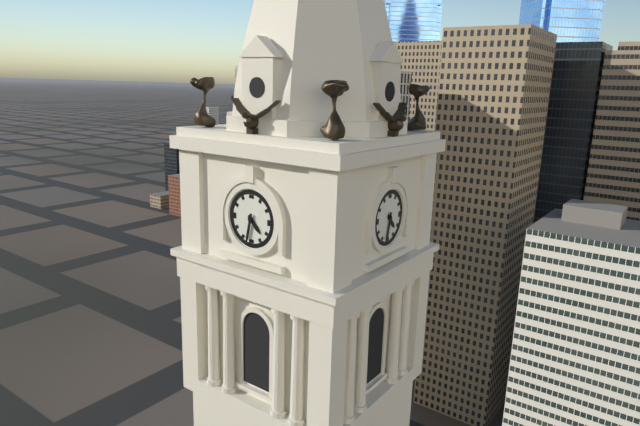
4:32
